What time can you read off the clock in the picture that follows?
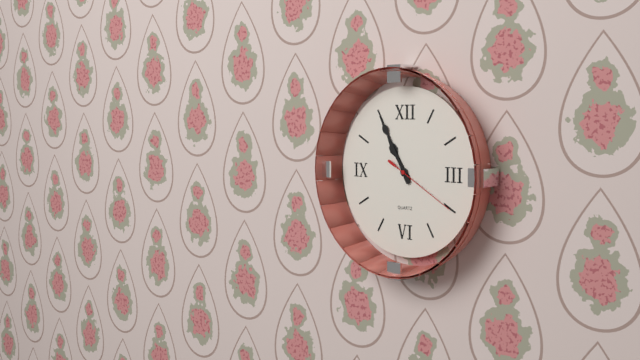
10:55:20
